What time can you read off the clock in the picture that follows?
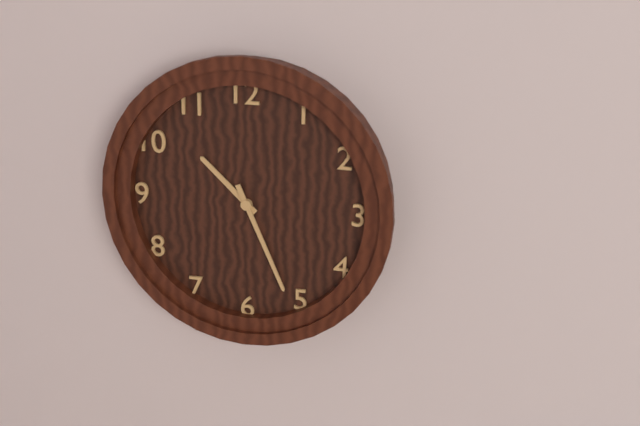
10:26
